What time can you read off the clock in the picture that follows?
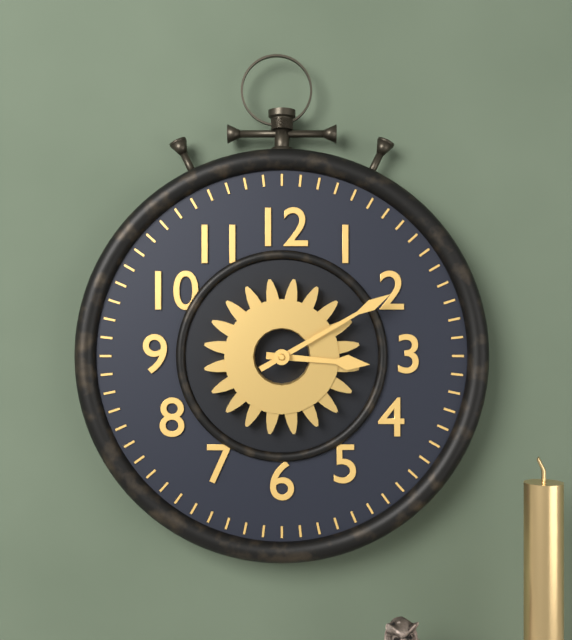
3:10
